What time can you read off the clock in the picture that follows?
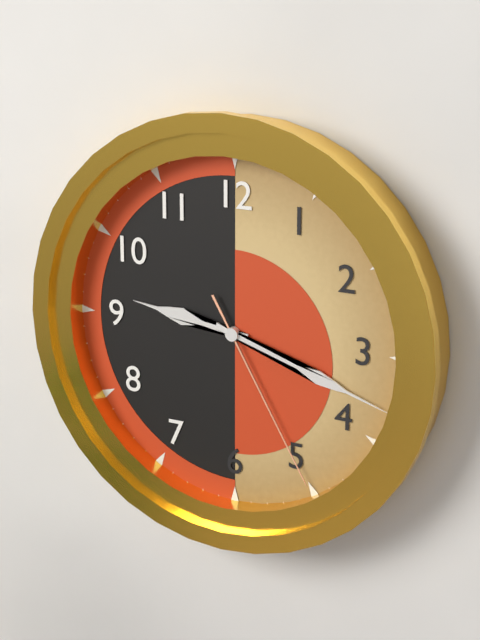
9:18:25
